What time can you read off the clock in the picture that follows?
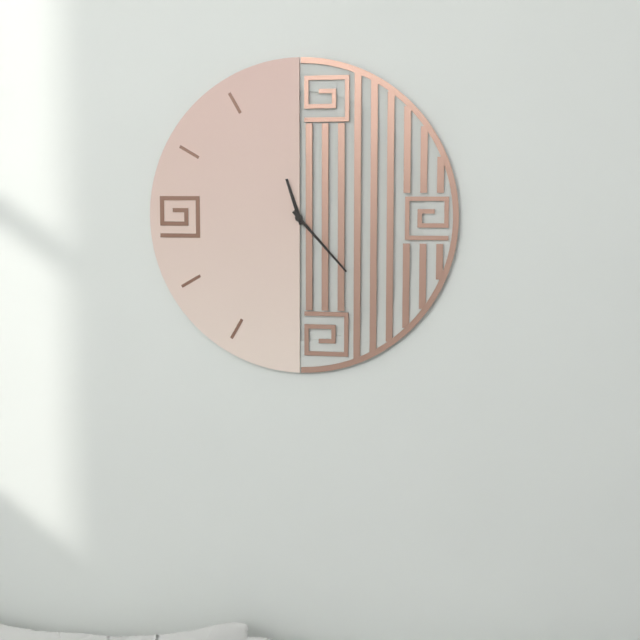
11:23
